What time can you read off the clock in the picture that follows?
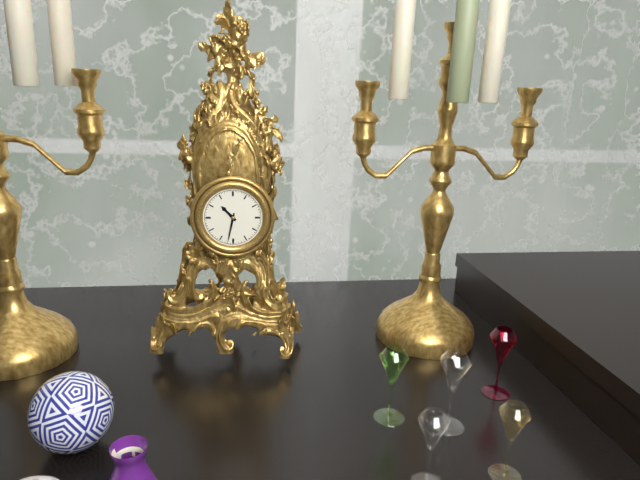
10:32
